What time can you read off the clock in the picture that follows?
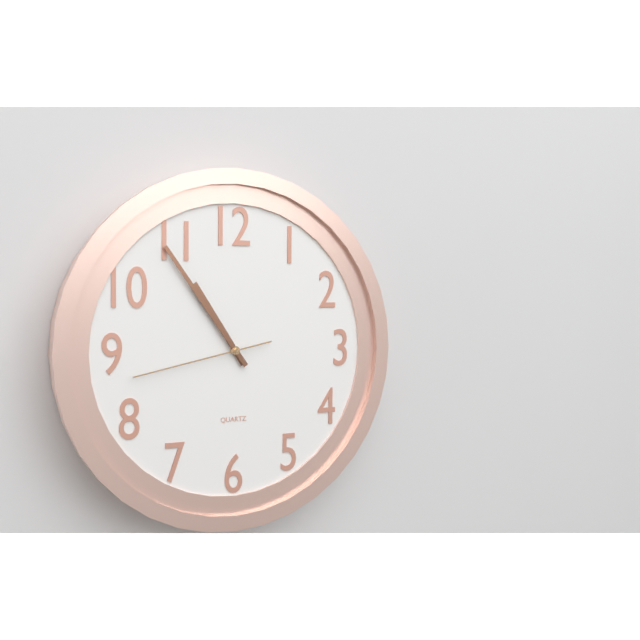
10:54:43
